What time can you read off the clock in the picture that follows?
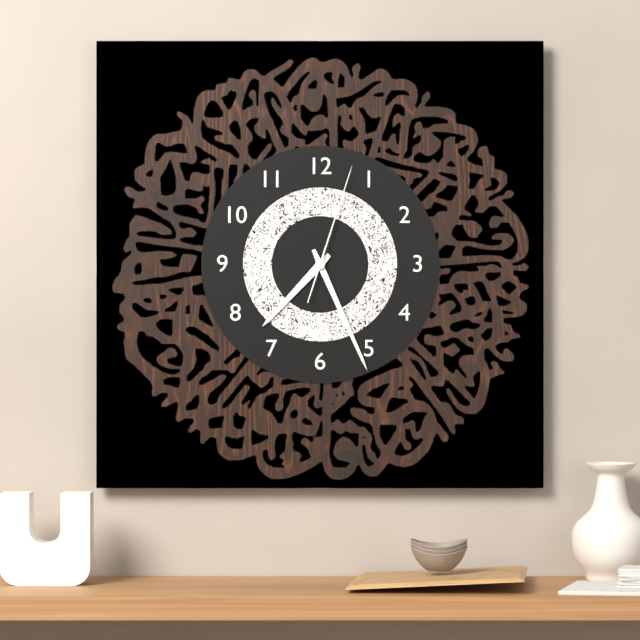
7:26:03
